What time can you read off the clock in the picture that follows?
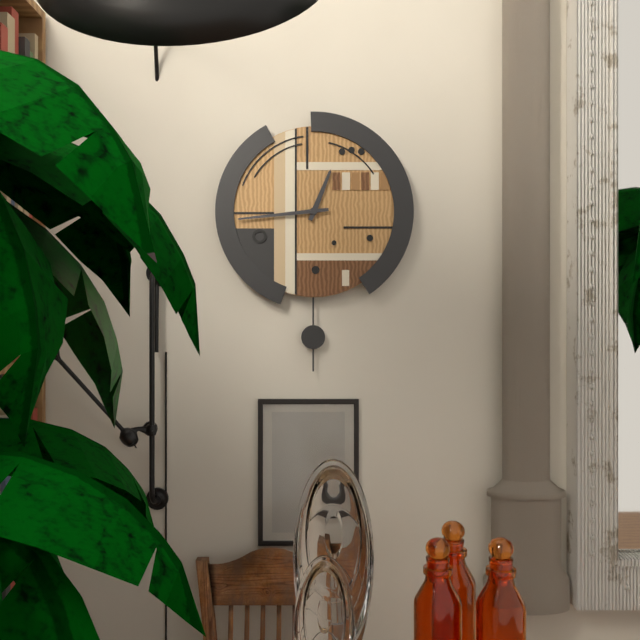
12:44
